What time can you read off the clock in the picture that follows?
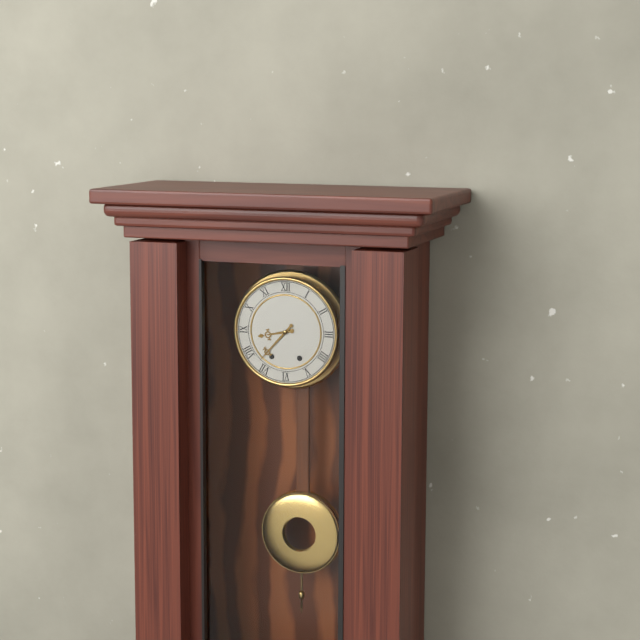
8:37
